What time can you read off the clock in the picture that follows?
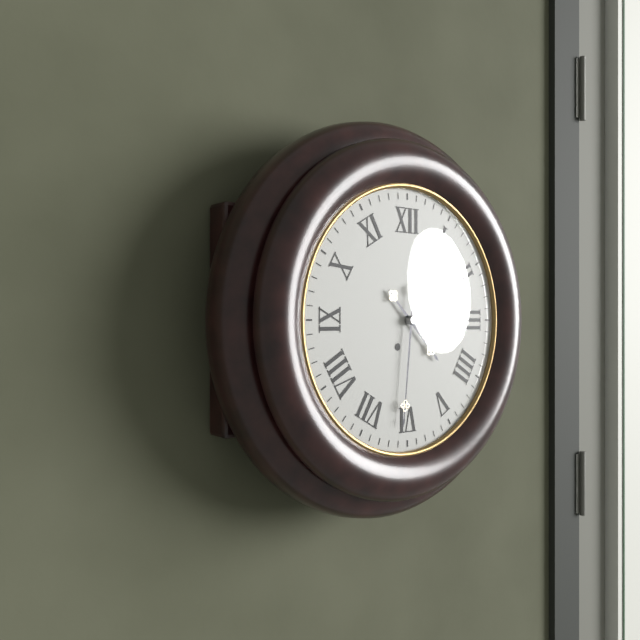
4:31
